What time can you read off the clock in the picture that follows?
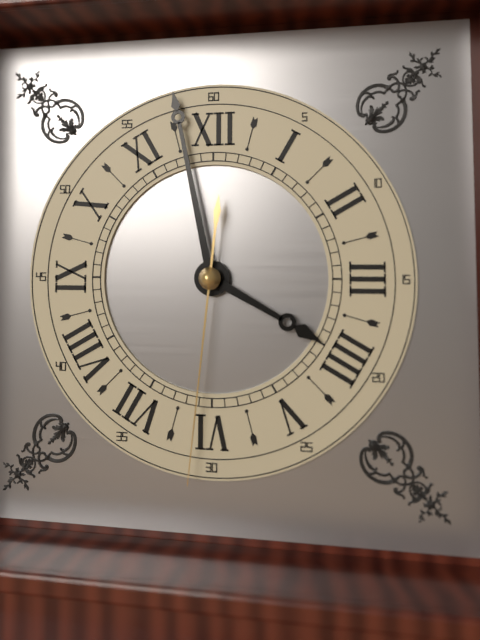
3:58:31
